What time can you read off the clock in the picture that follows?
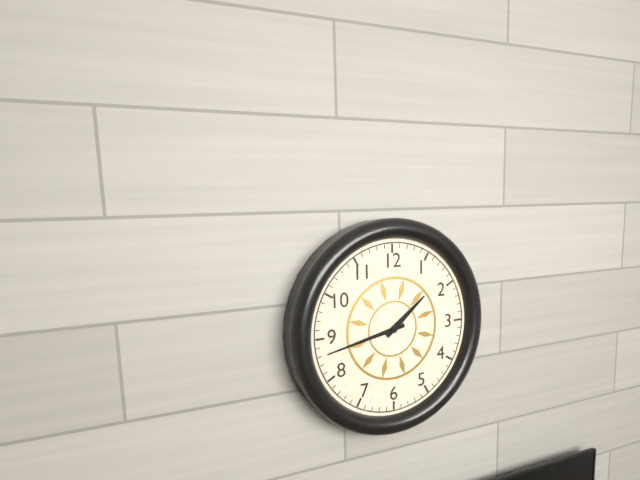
1:43
